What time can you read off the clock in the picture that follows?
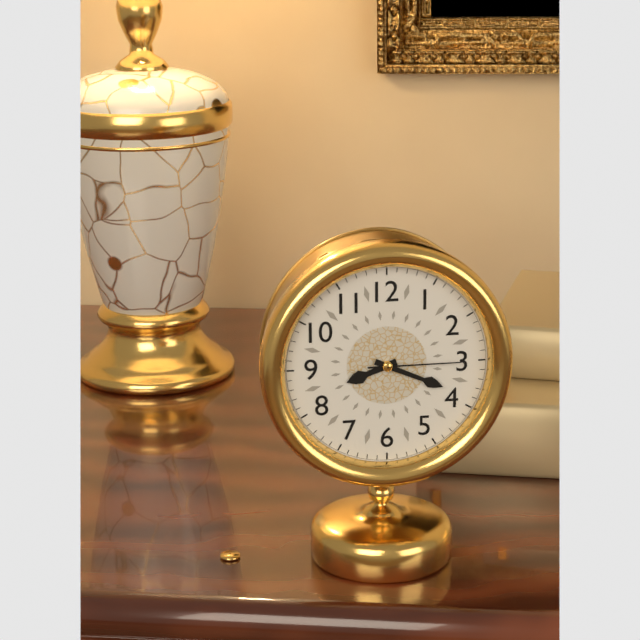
8:19:15
